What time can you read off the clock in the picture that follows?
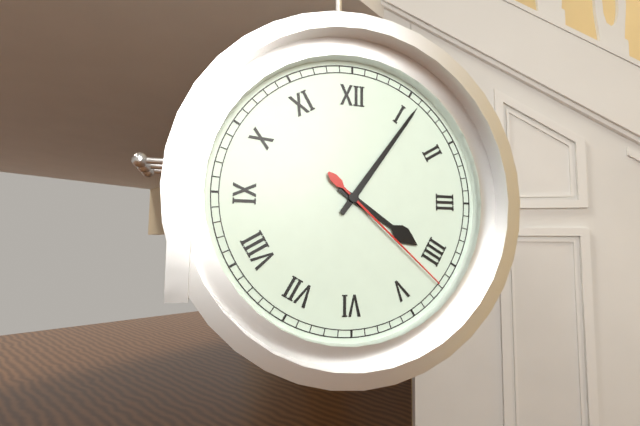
4:06:22
